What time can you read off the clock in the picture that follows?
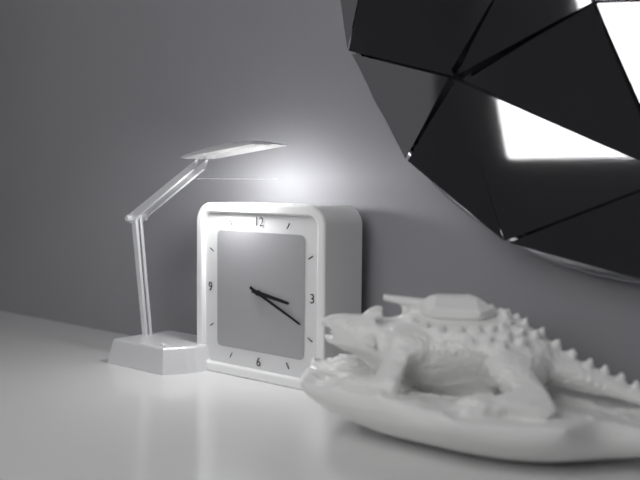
3:19
